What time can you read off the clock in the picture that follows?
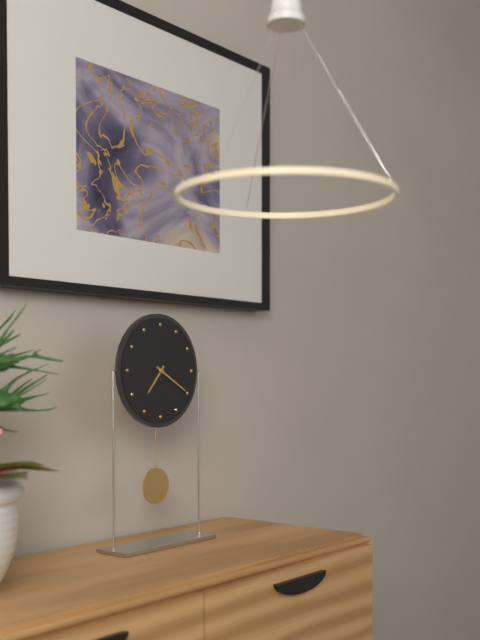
7:20
